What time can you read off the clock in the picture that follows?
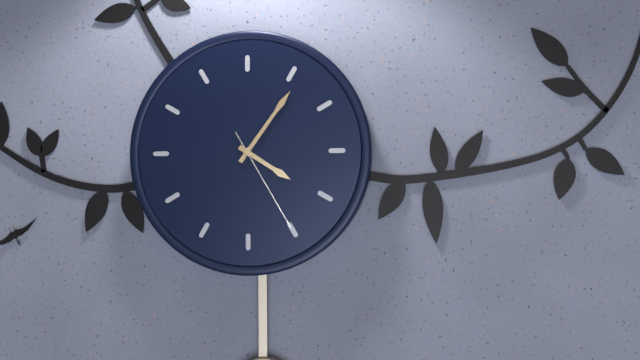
4:06:25
